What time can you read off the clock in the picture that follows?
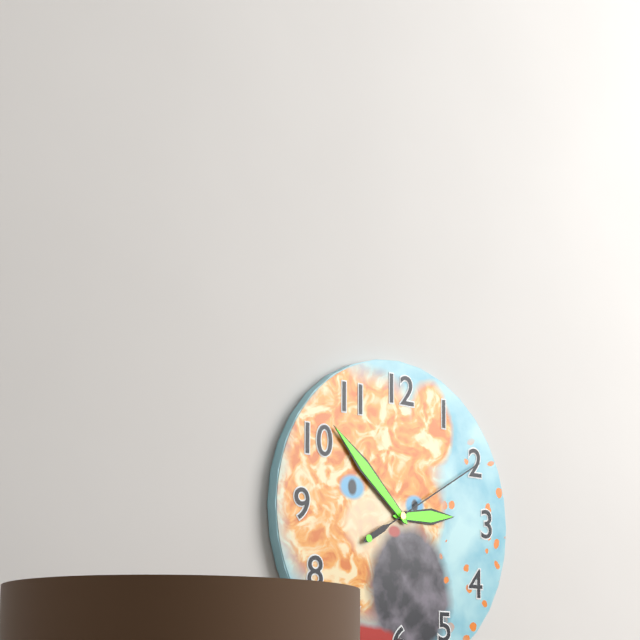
2:52:10
